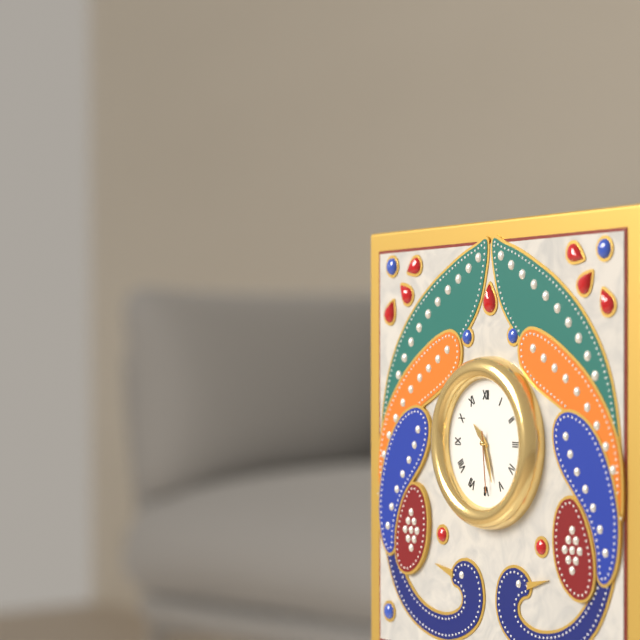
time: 10:27:29
